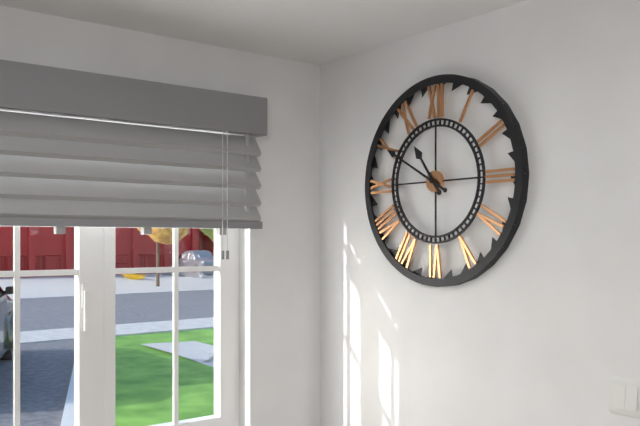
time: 10:50
